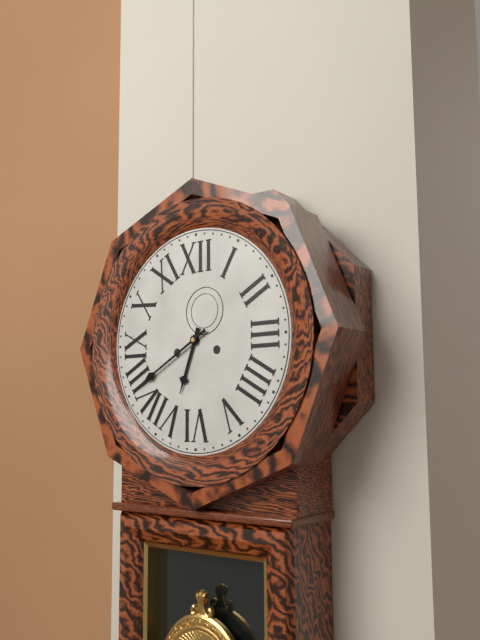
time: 6:40
